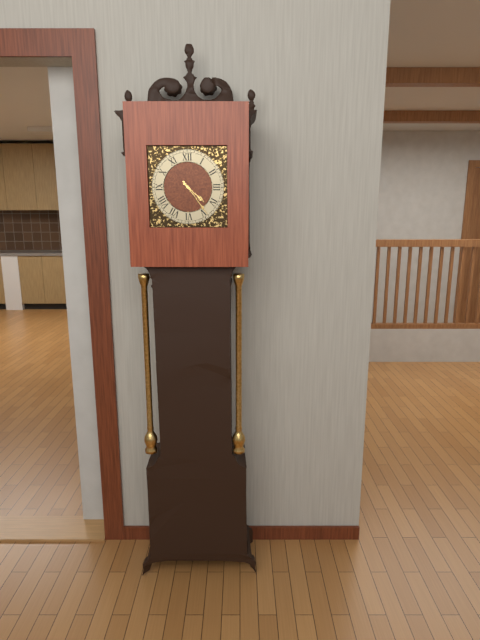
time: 4:24
